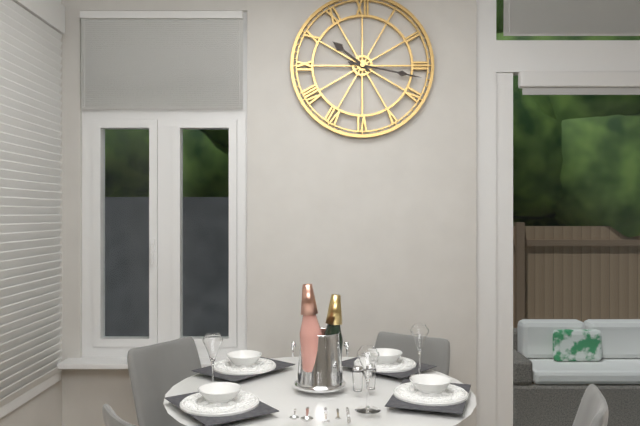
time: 10:17
